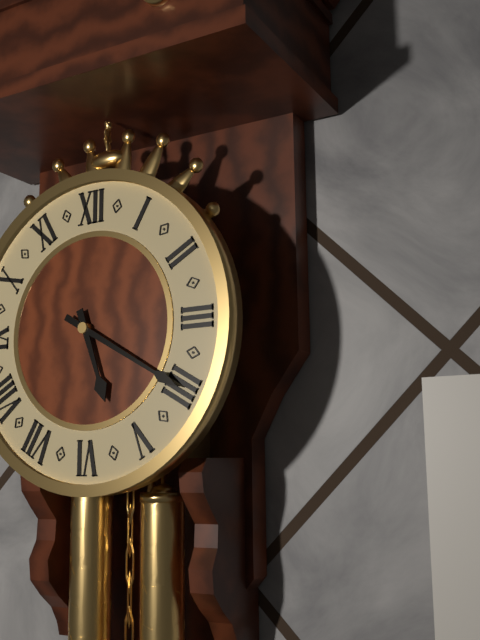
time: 5:20
